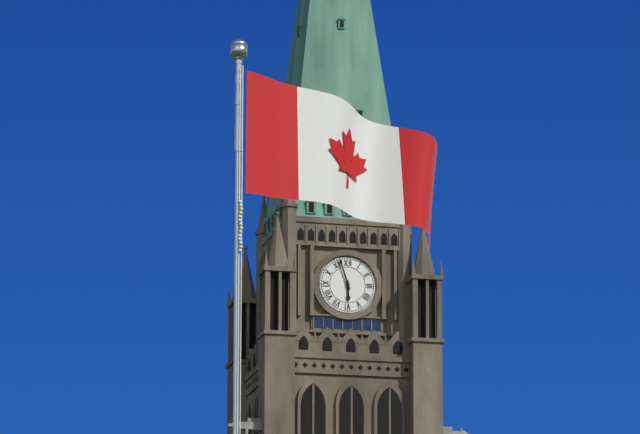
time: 5:57
